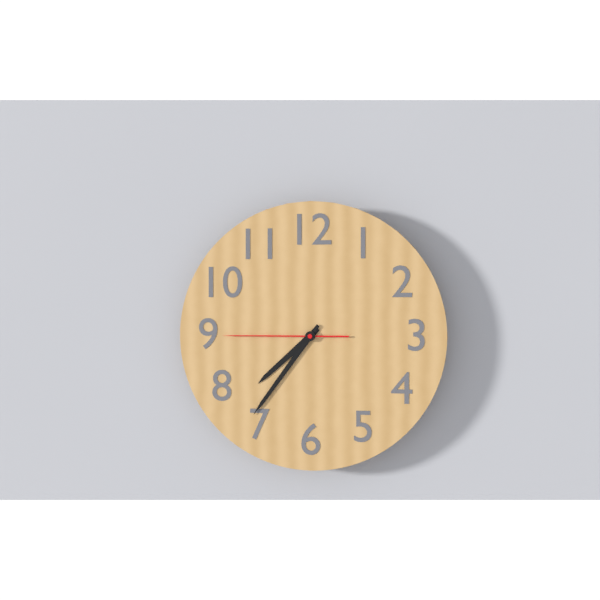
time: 7:36:45
